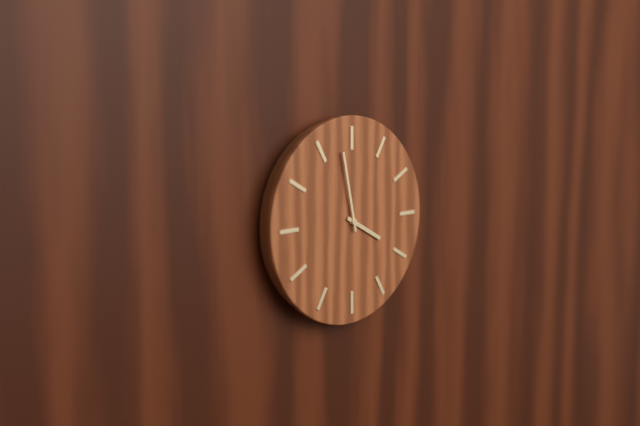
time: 3:58
